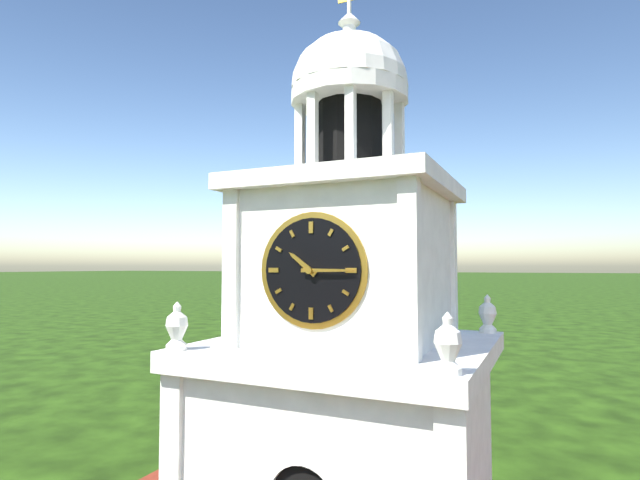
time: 10:15
